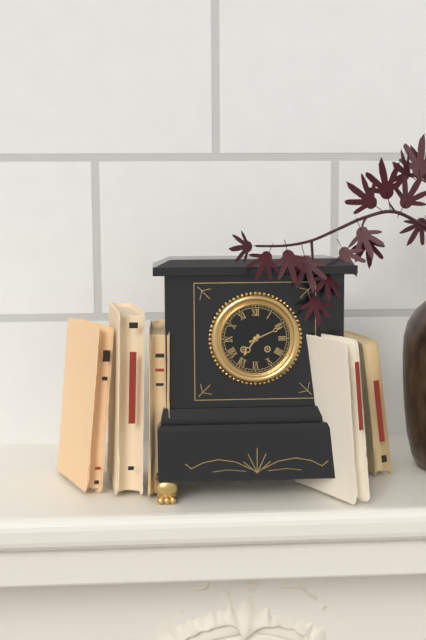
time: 7:11
